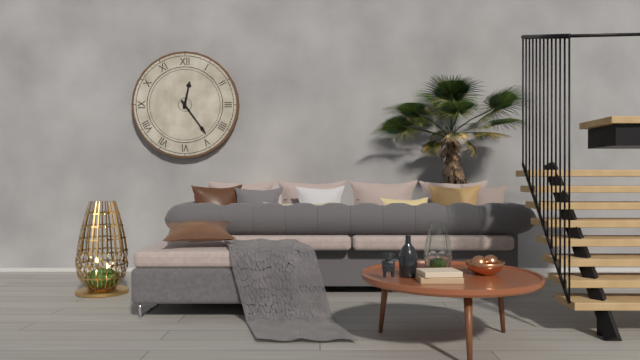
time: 12:24
